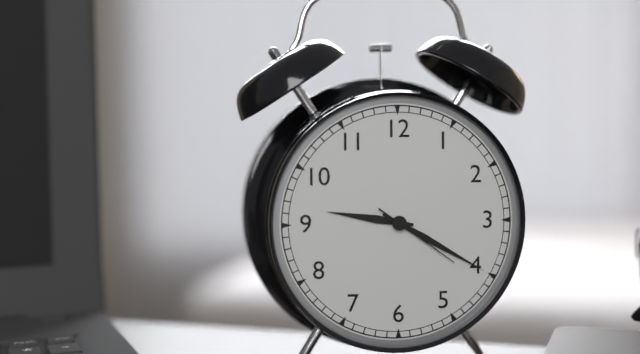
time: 9:20:21
